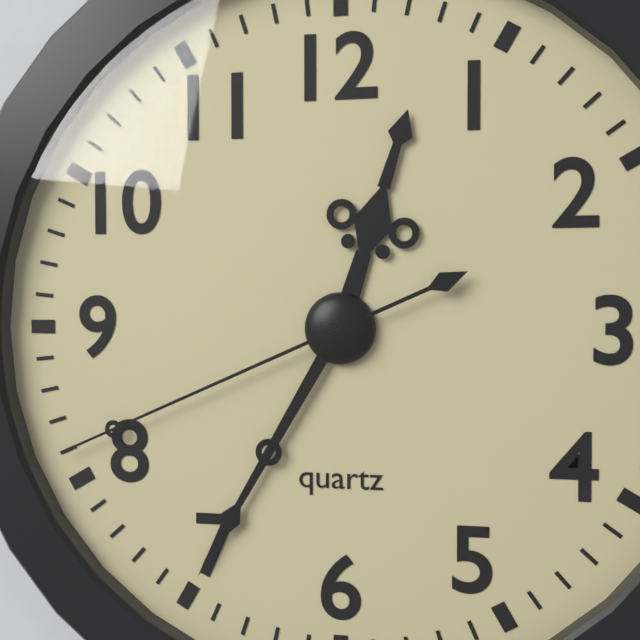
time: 12:35:41
